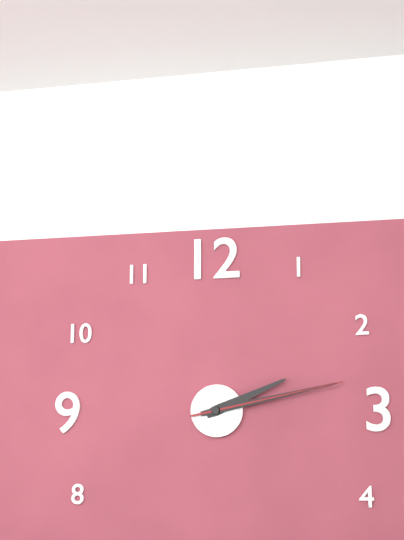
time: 2:13:13
